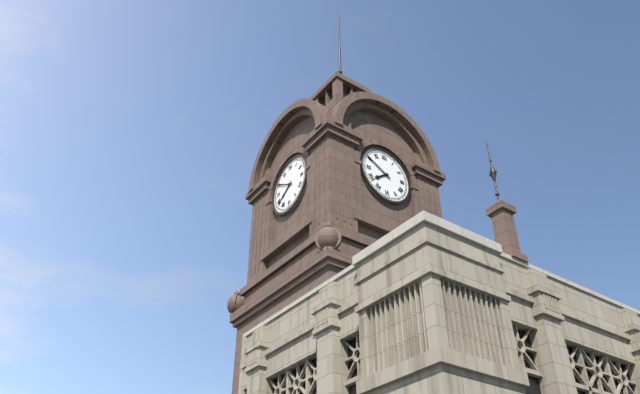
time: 7:50
